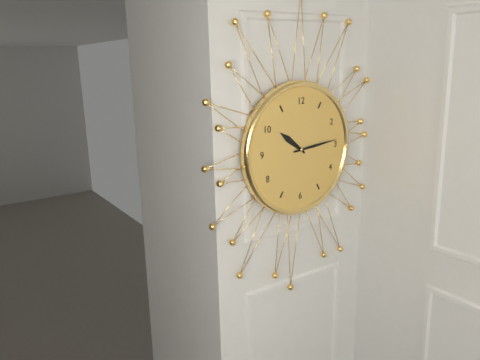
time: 10:14
